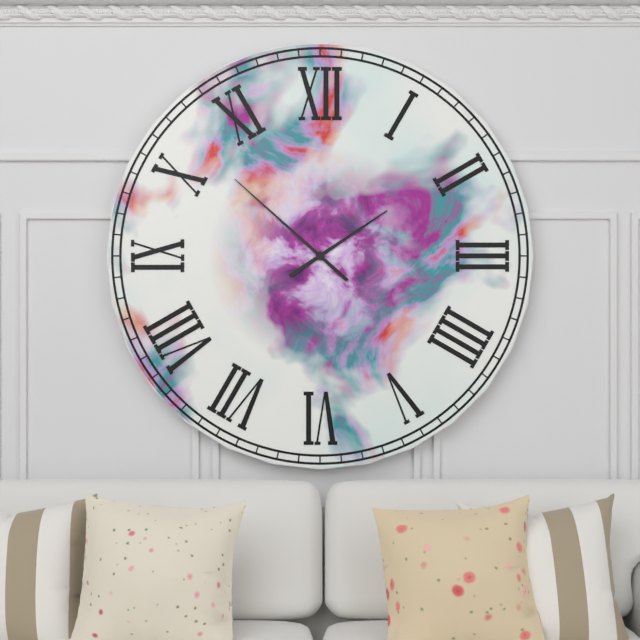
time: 1:52
